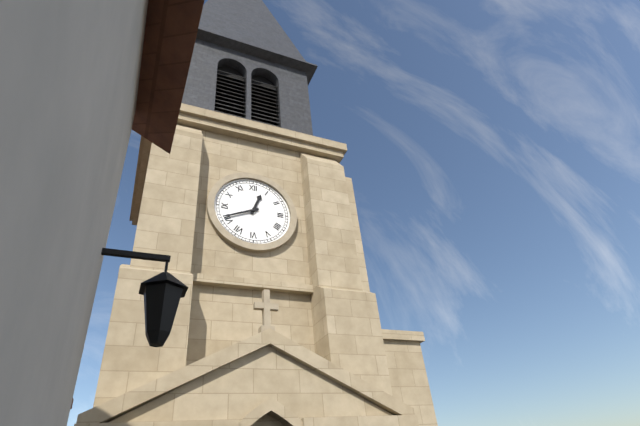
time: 12:41
